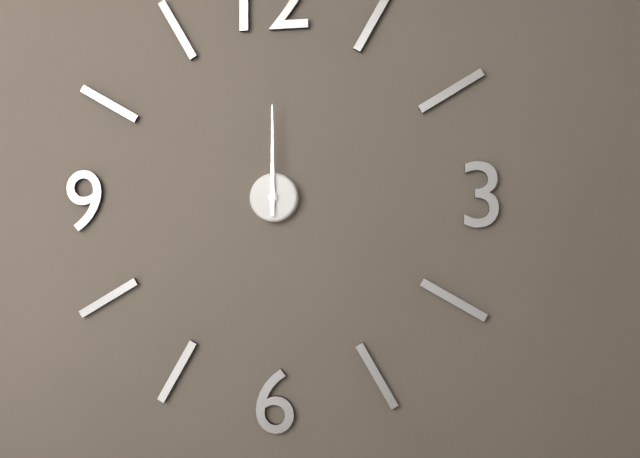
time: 12:00
